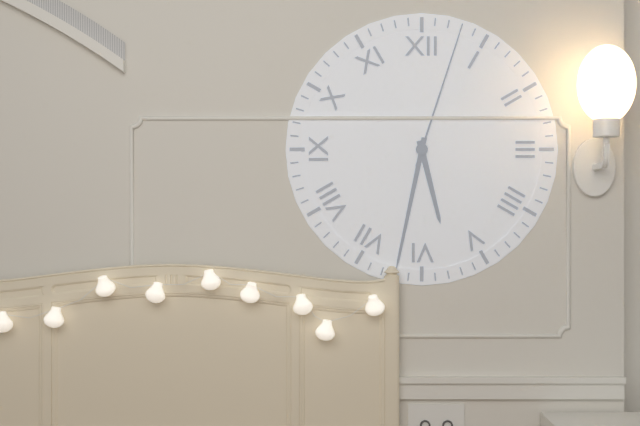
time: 5:32:03
